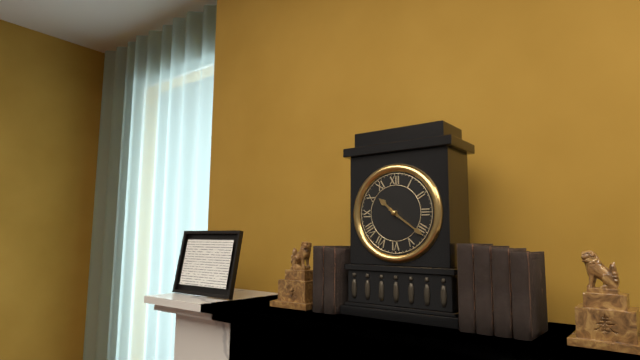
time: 10:21
